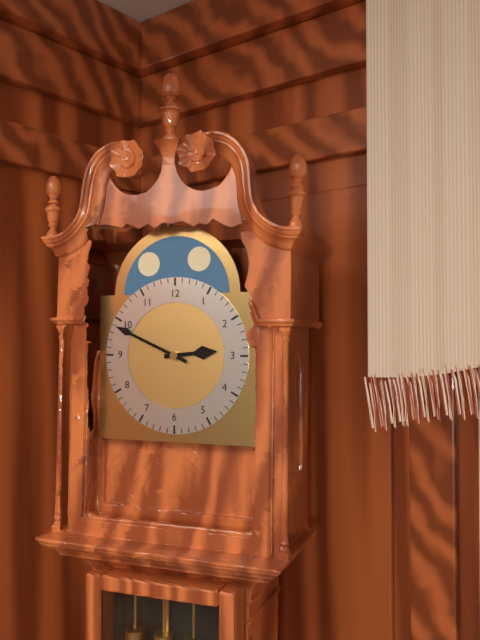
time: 2:49
